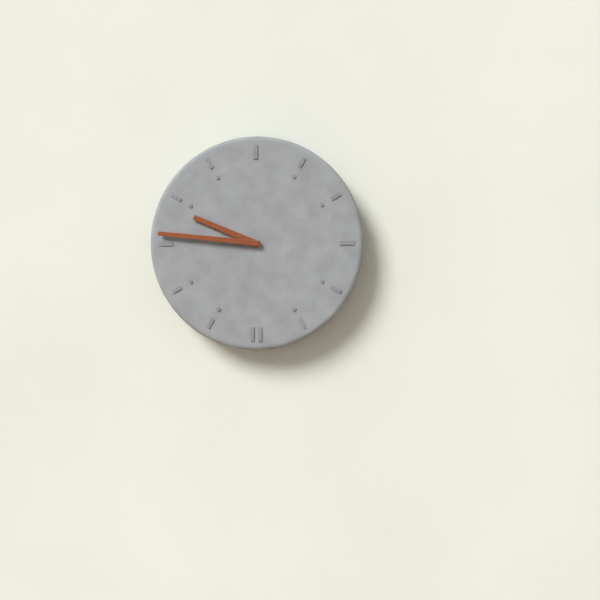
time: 9:46
